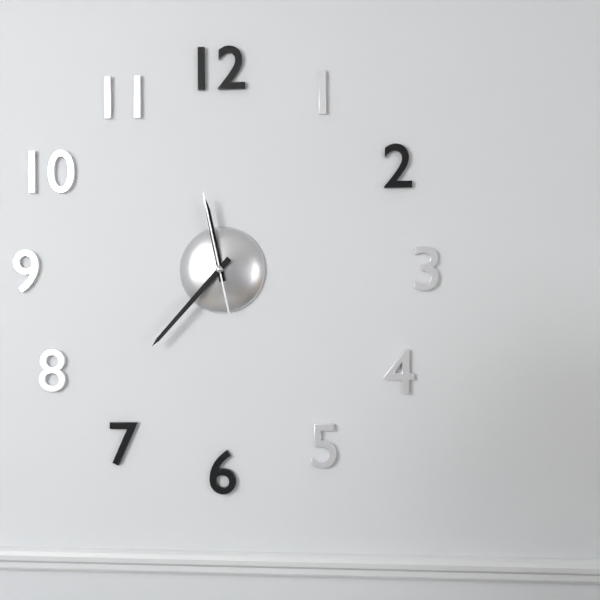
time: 11:37:58
